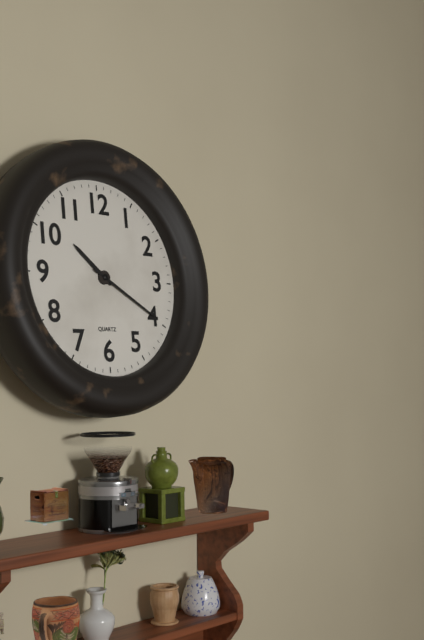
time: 10:20
